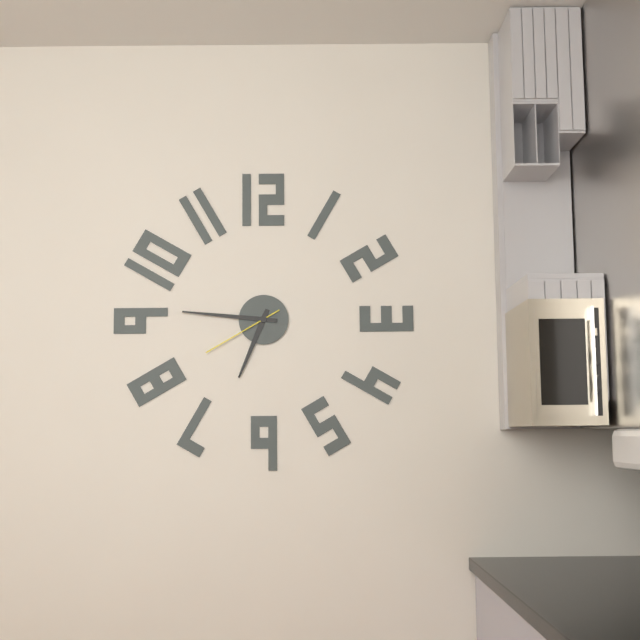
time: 6:46:40
